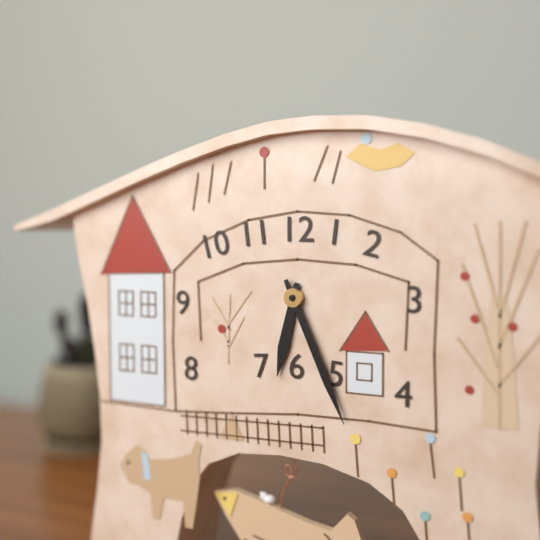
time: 6:26
